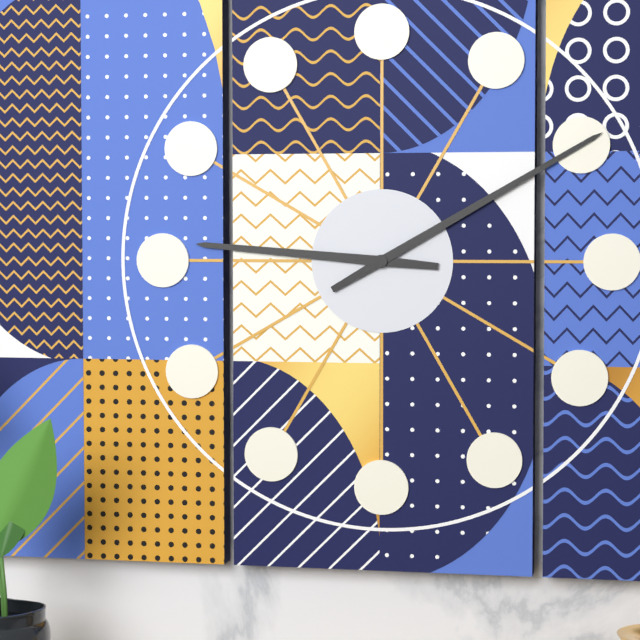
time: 9:10
